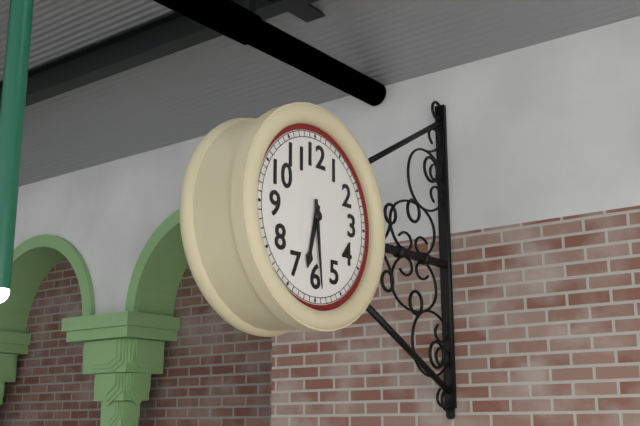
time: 6:29
